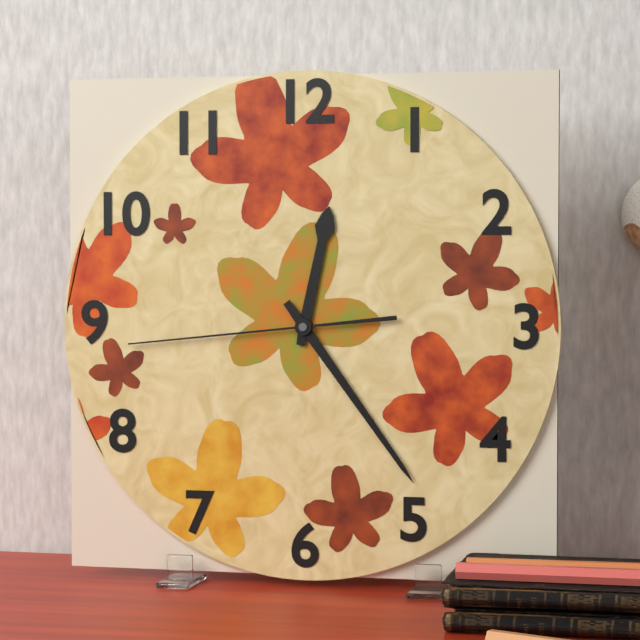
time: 12:24:44
